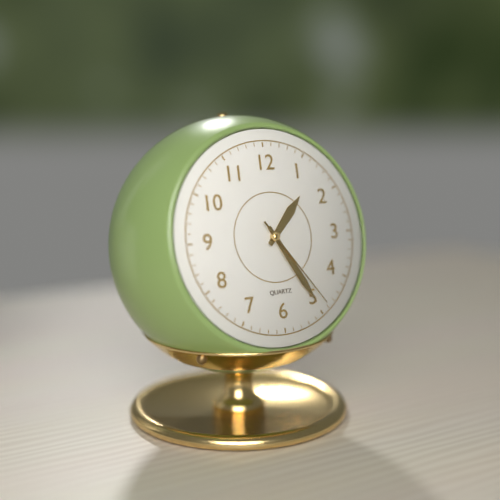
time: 1:25:24
